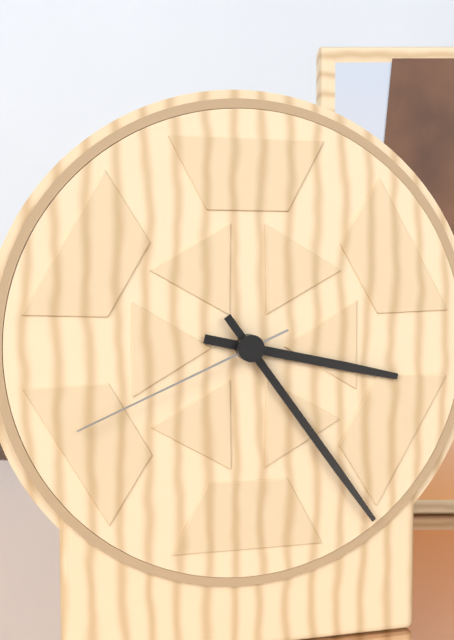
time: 3:24:41
